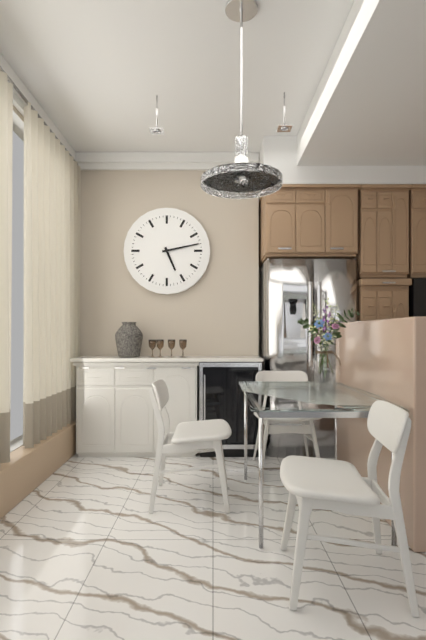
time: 5:13
